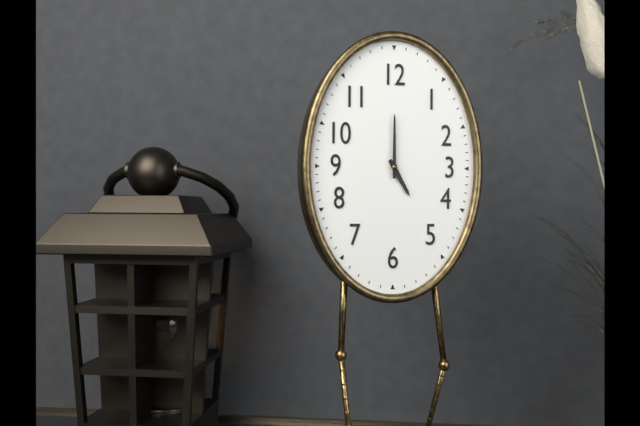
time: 5:00
